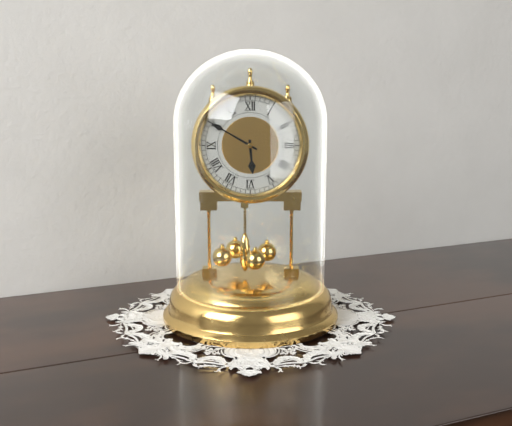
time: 5:50
